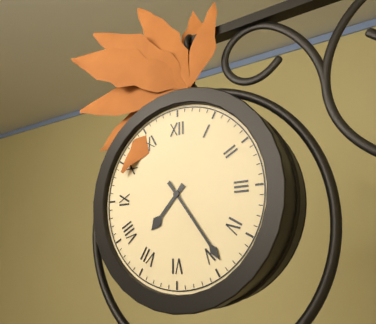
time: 7:24
